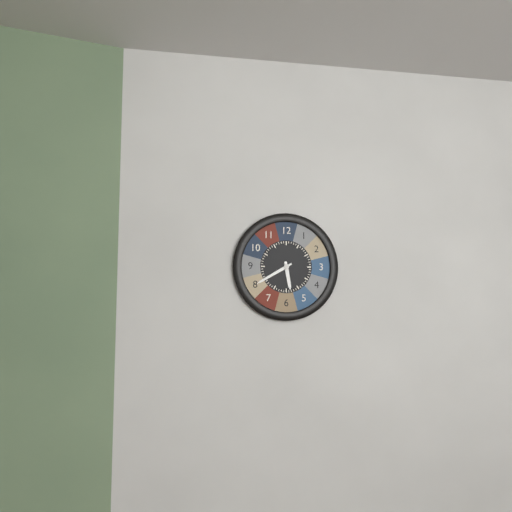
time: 5:40
